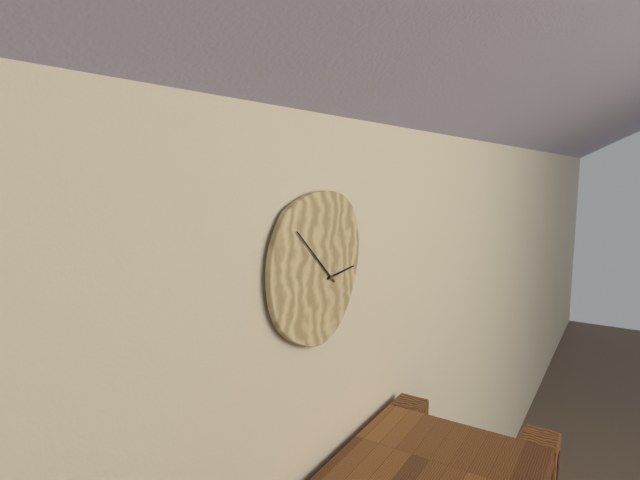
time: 2:52
